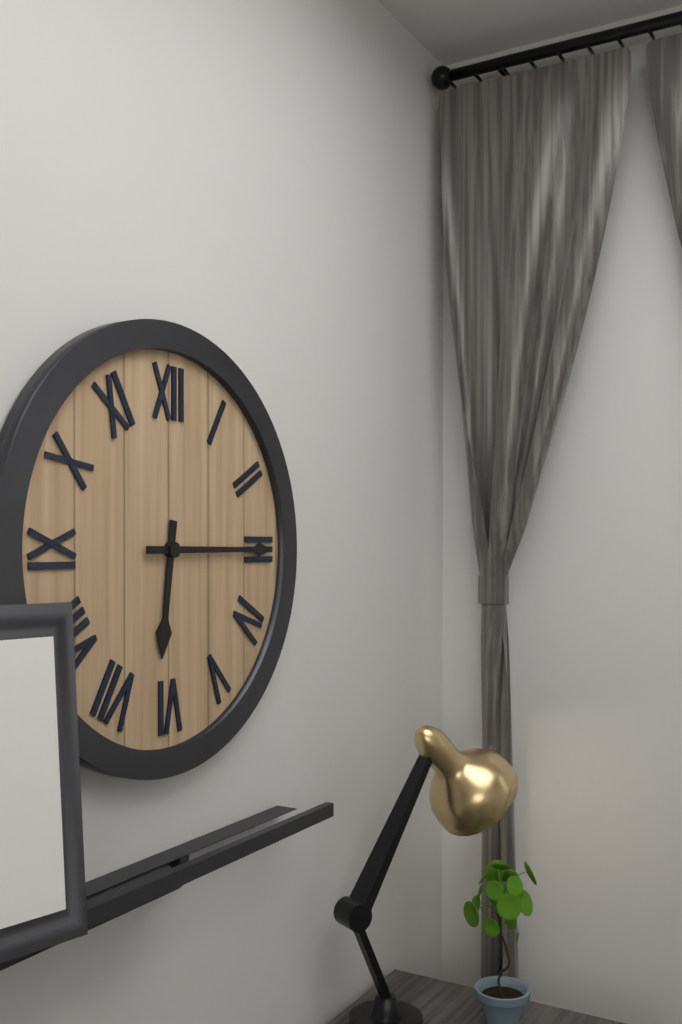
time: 6:15
